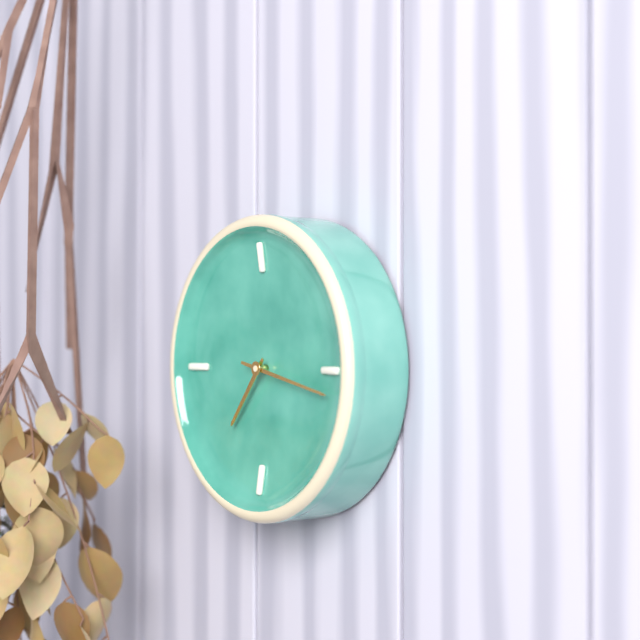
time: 7:17
